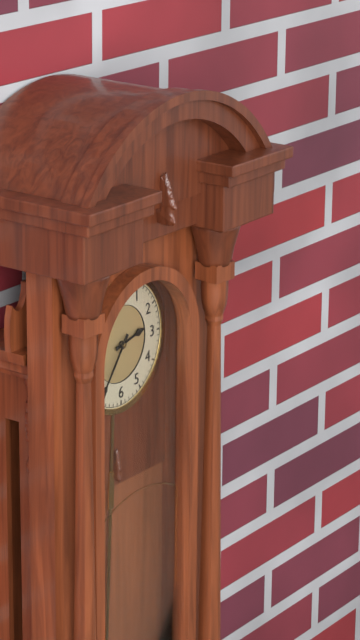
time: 2:36
